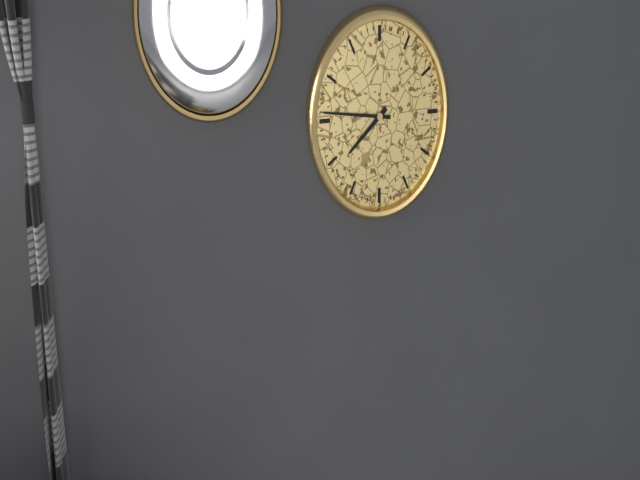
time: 7:46
